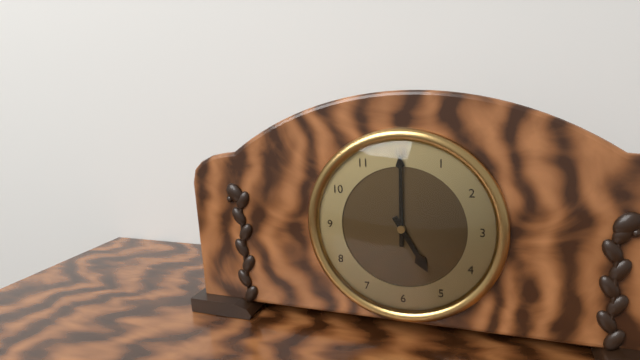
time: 5:00
